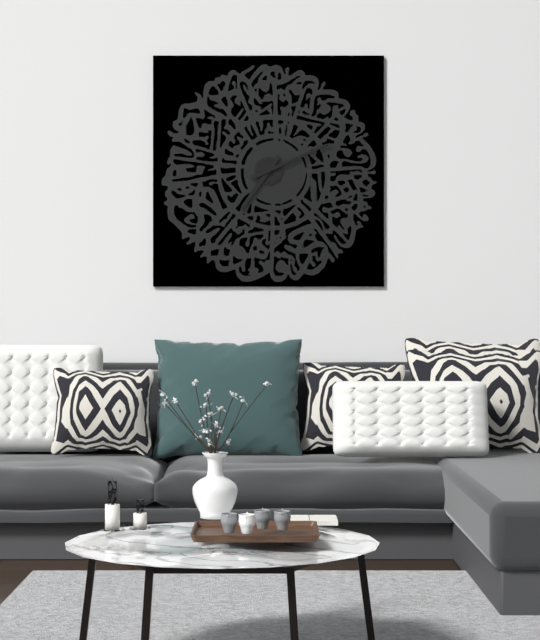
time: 7:11
